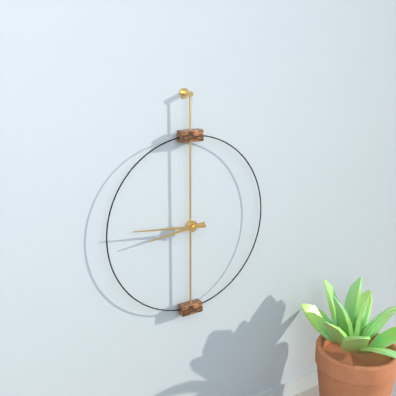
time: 8:46
